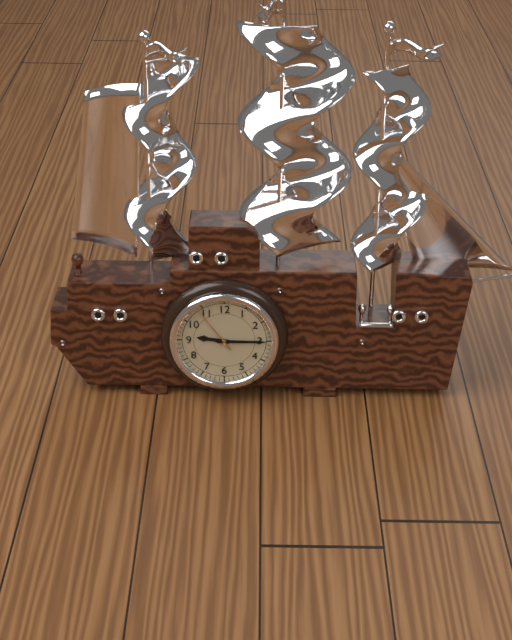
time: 9:15
